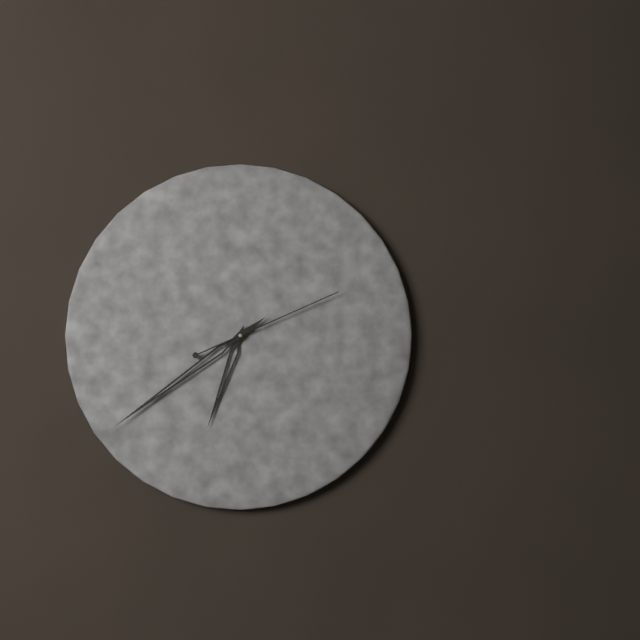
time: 6:39:11
